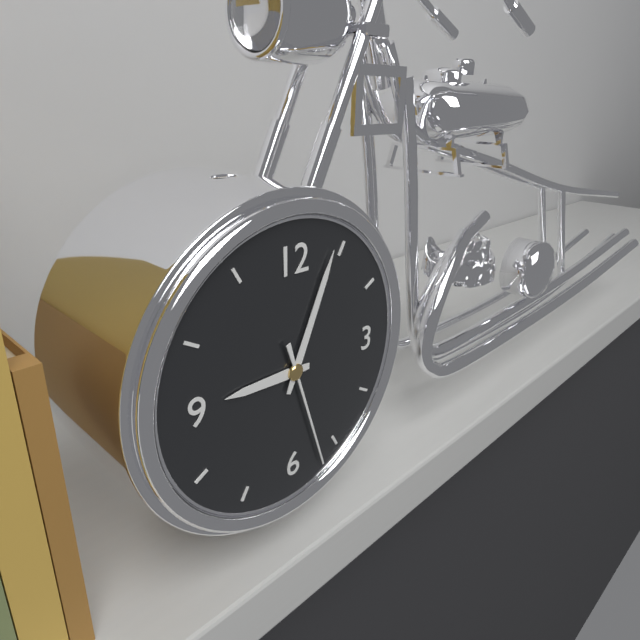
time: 9:04:27
